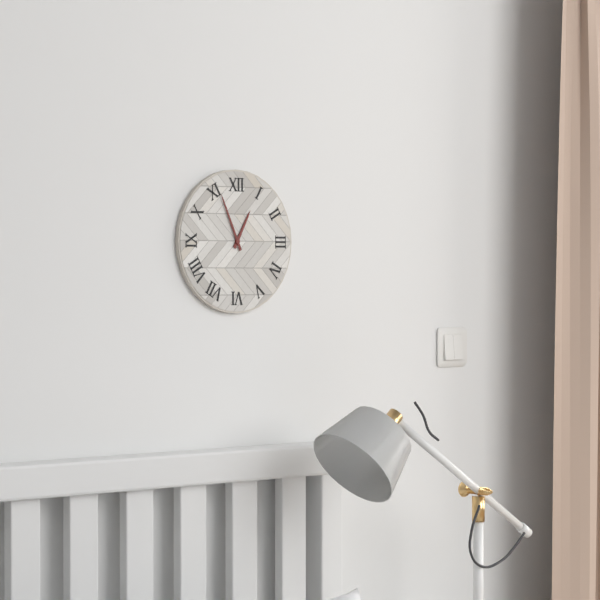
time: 12:56
